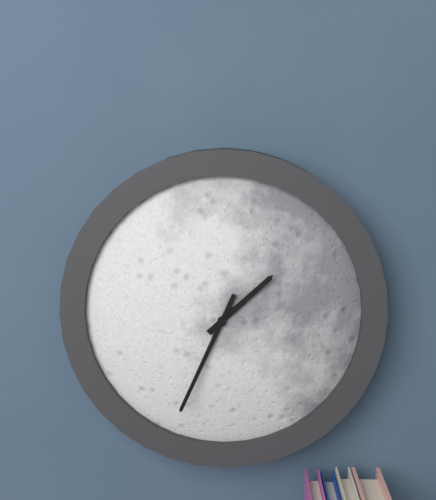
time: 1:34
